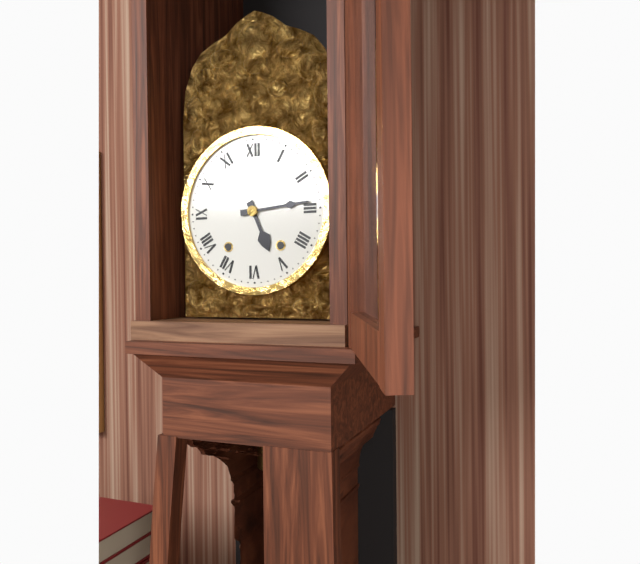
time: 5:14
